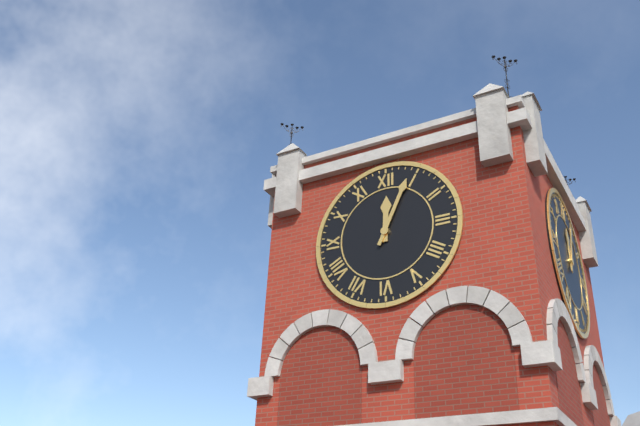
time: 12:04
